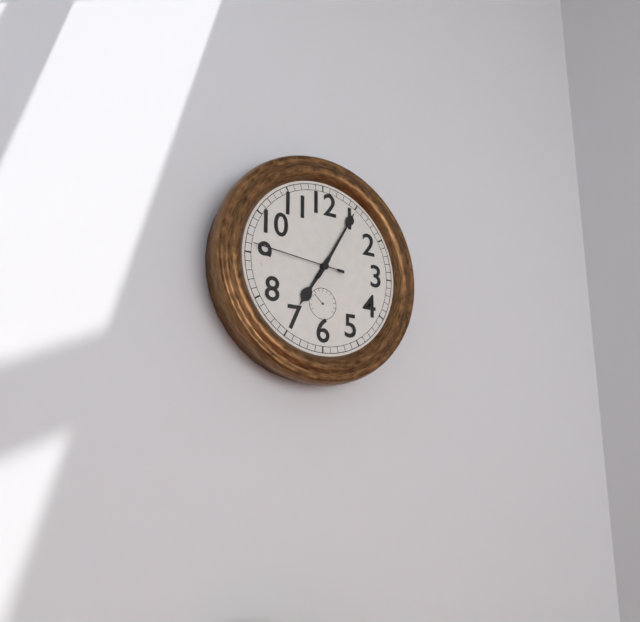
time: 7:05:46
